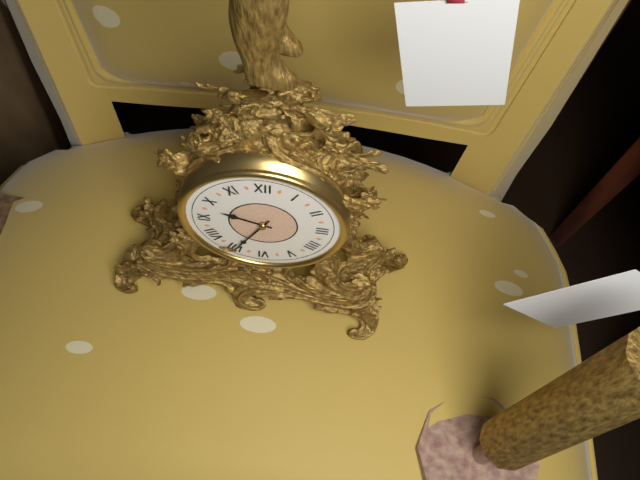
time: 9:35
